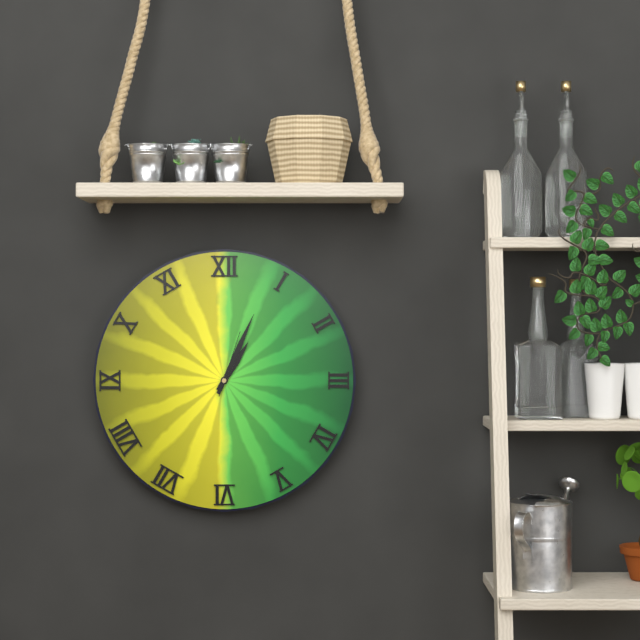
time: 1:04:03
